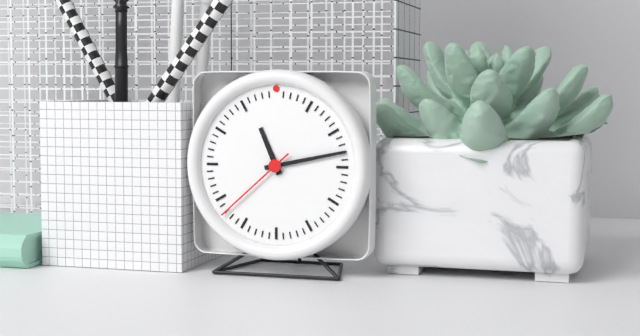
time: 11:13:38
